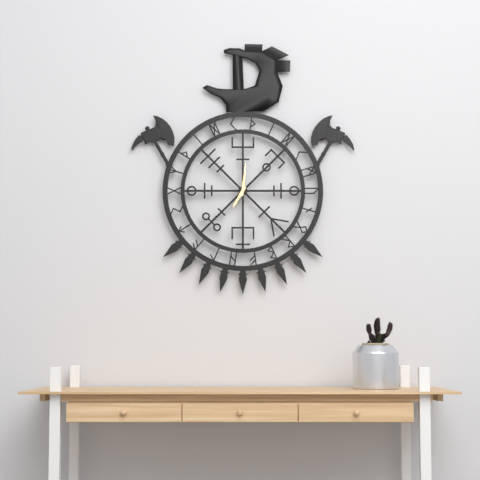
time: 7:01
